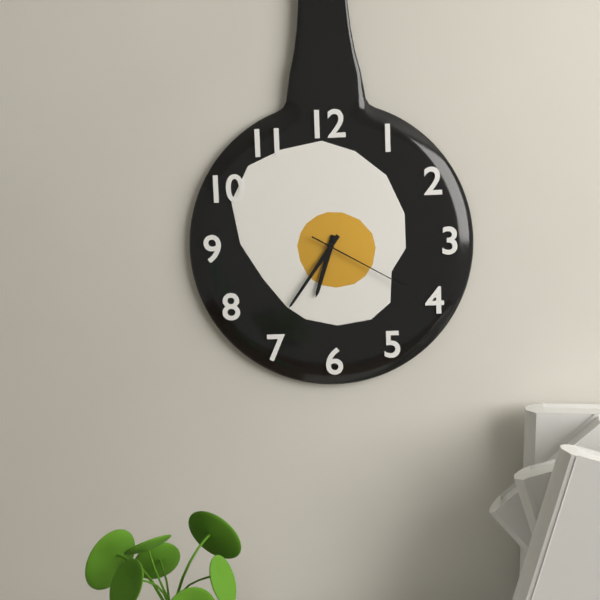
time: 6:36:20
